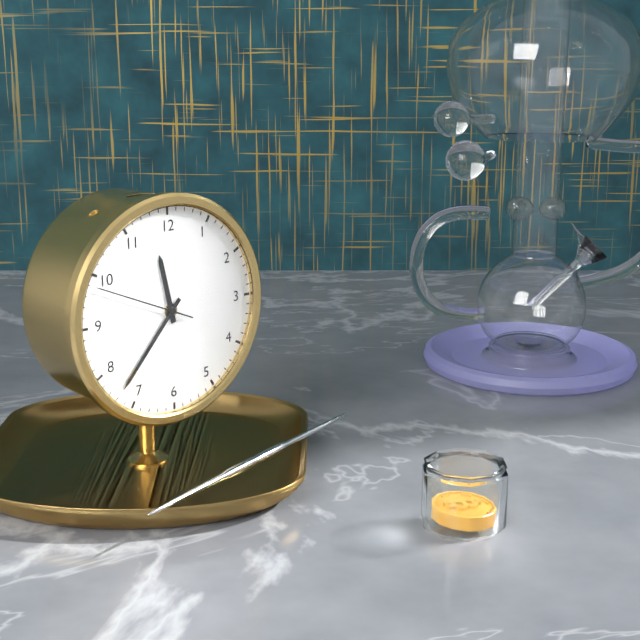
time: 11:37:49
